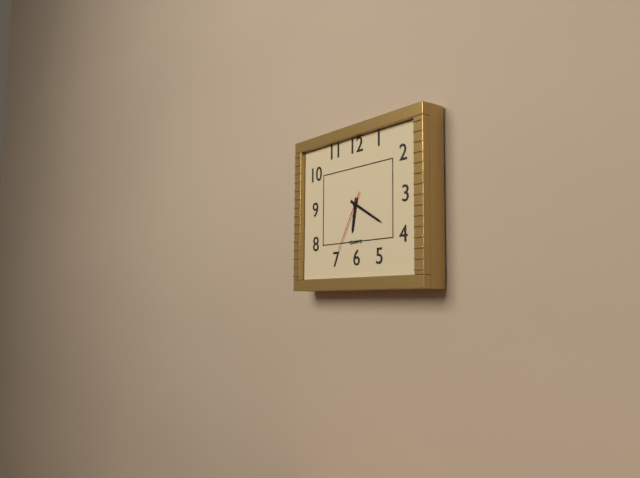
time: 6:20:35
